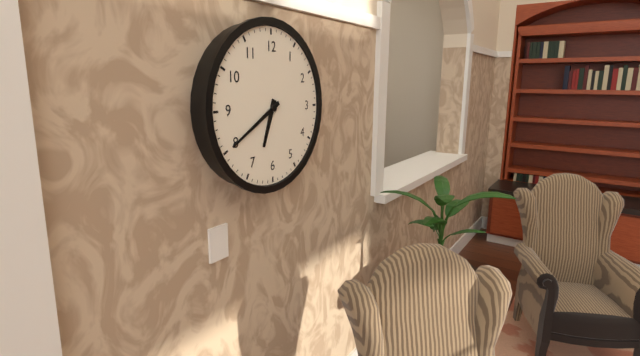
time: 6:40
